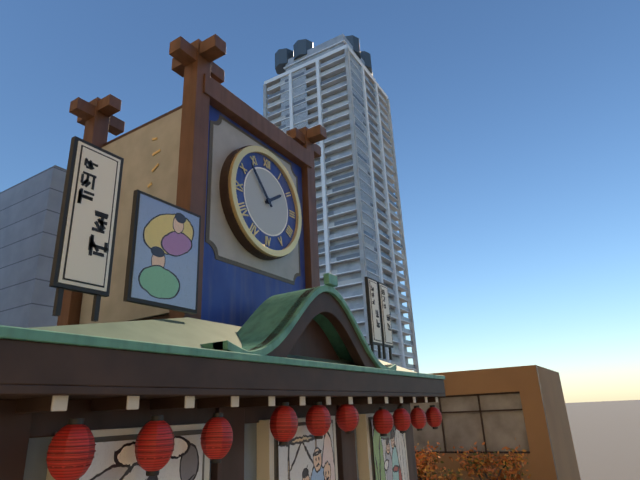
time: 1:53
